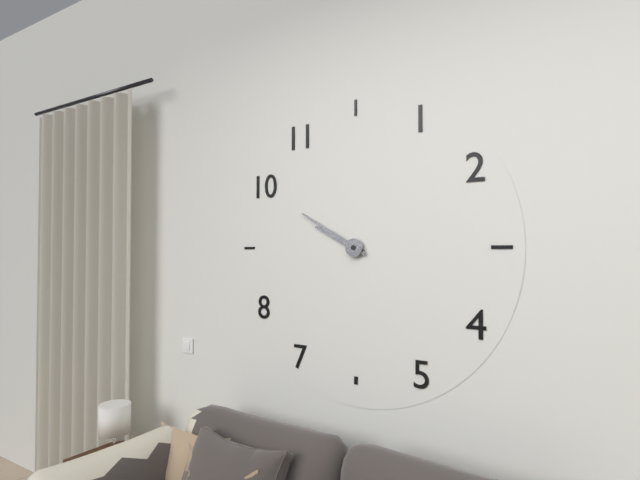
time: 9:50
